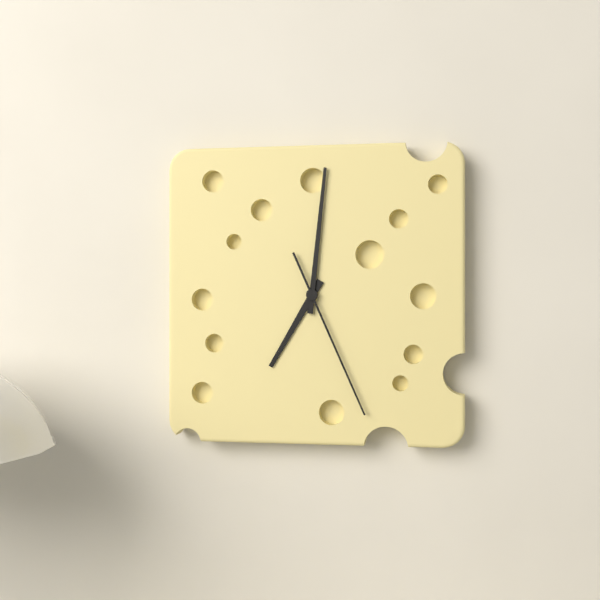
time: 7:01:26
